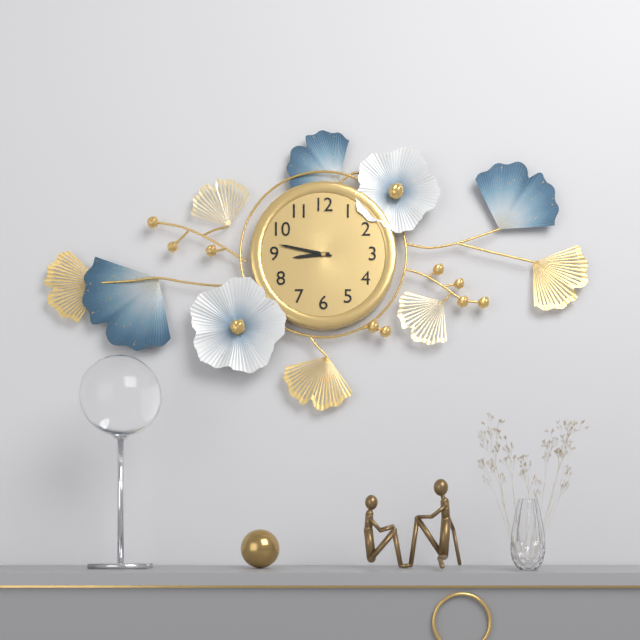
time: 8:47
